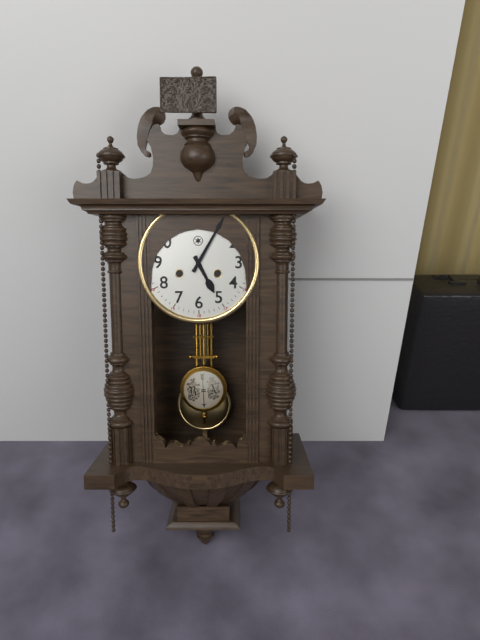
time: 5:05
